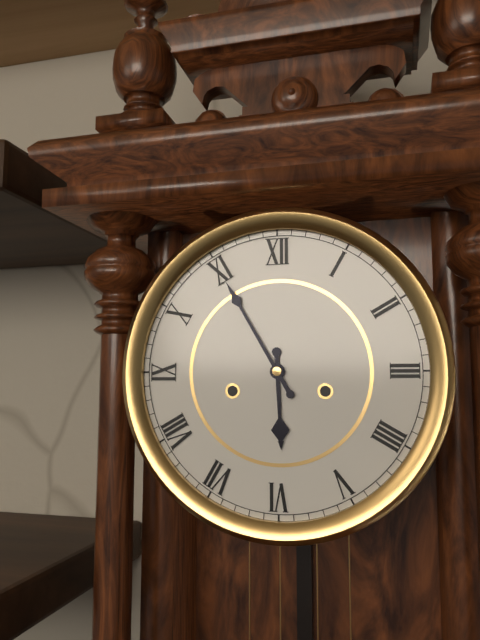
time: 5:55
